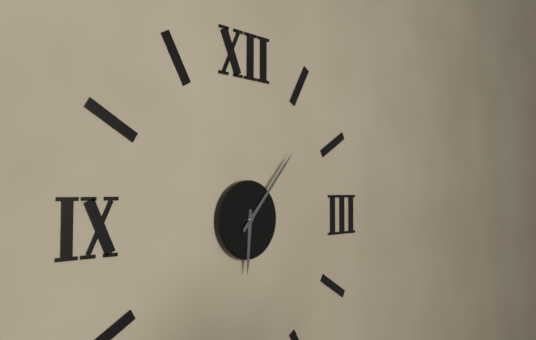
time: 6:07
